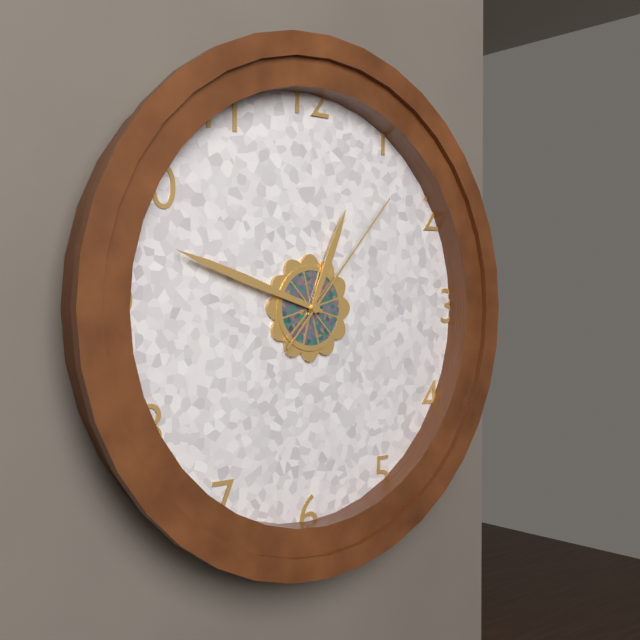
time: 12:48:07
